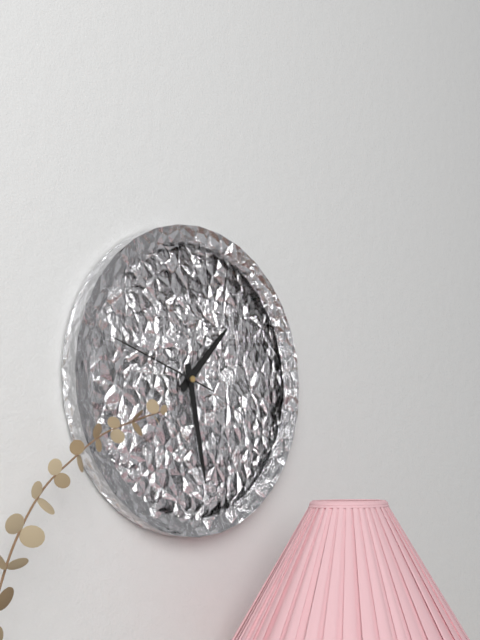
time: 1:28:48
